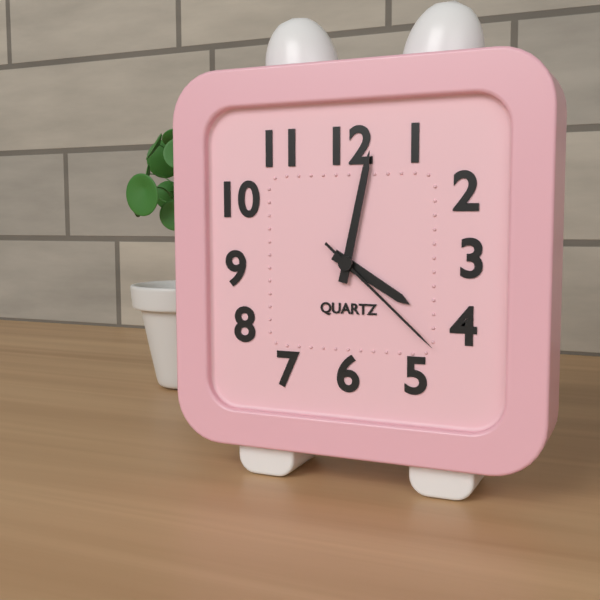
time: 4:02:22
